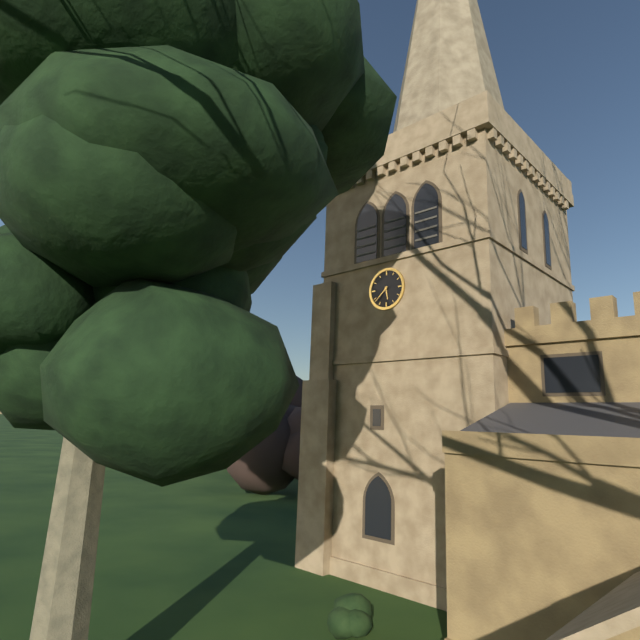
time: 5:38
